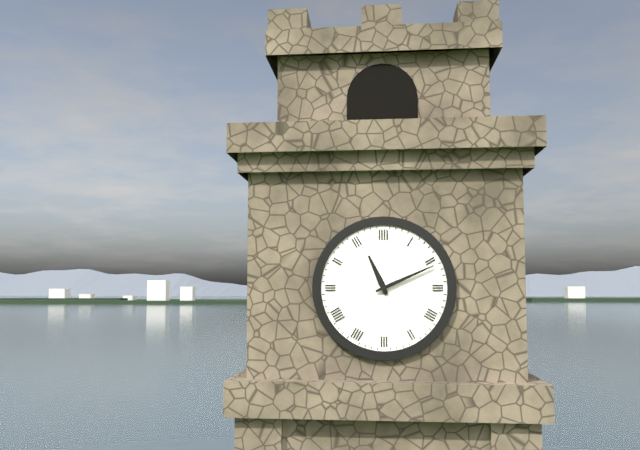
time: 11:11
